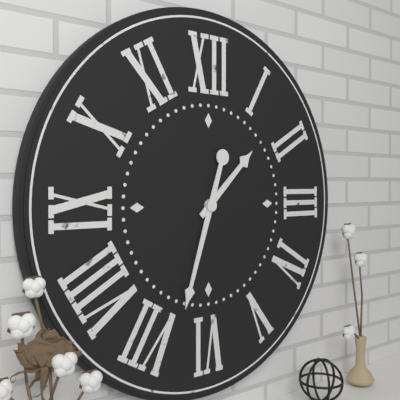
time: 1:33
